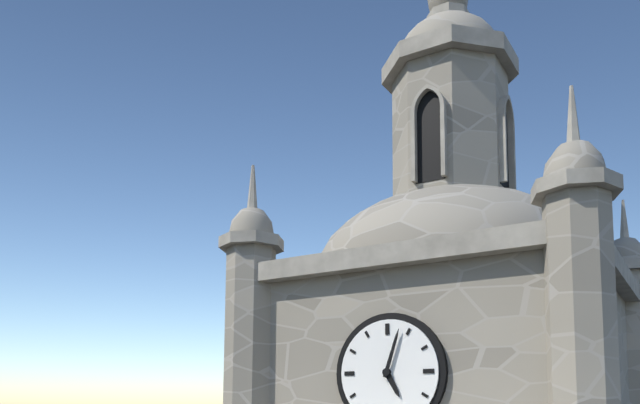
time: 5:03
